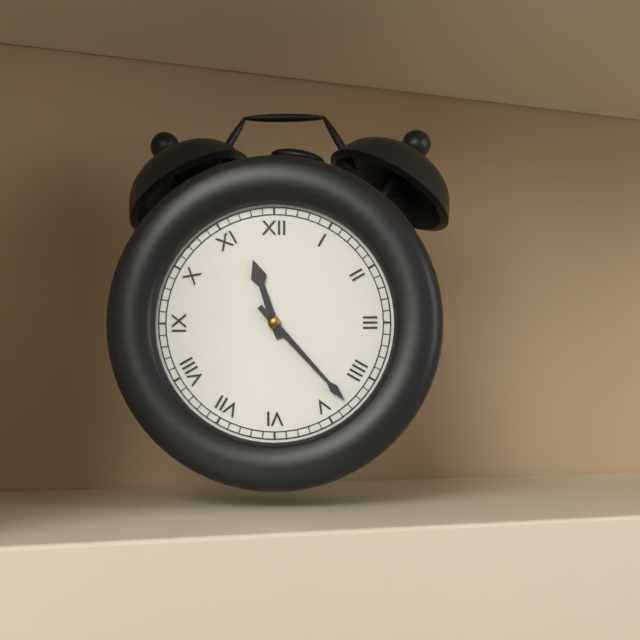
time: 11:23
